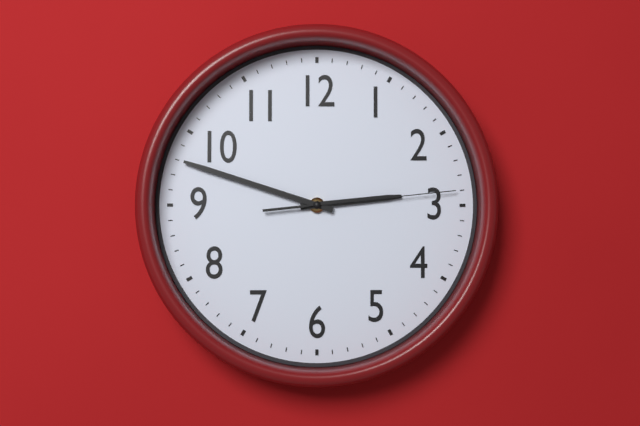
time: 2:48:14
